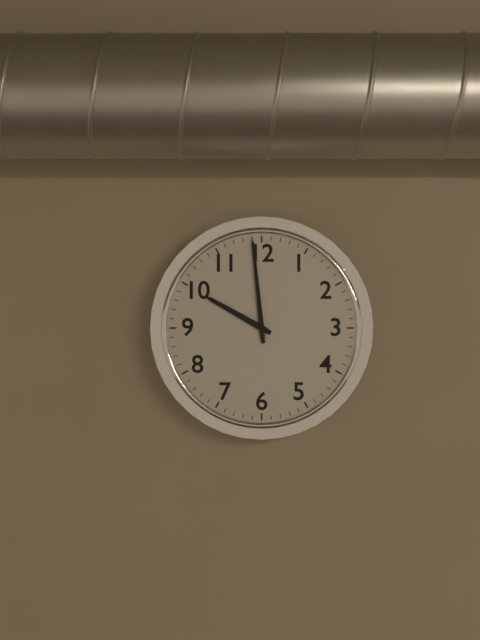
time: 9:59
